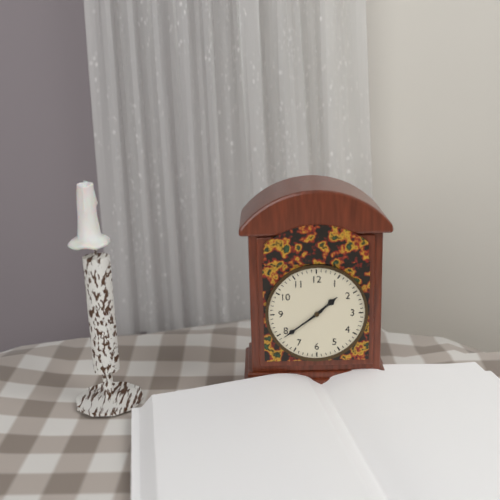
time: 1:39
